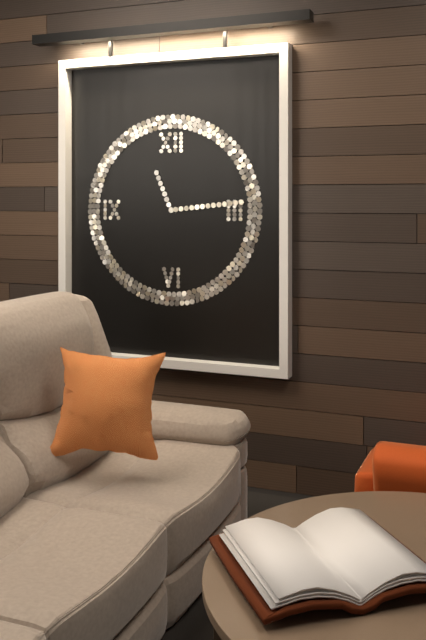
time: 11:14
